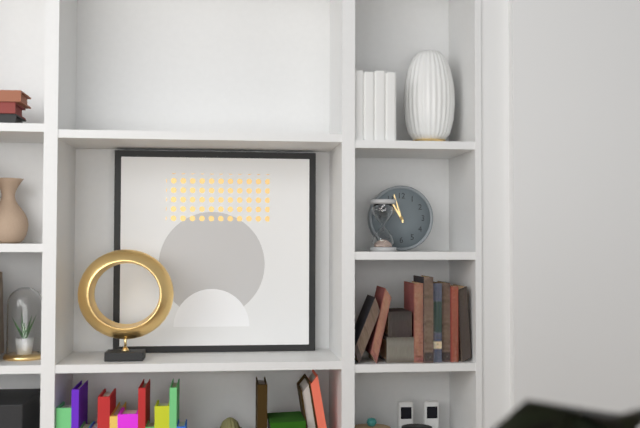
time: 10:57
